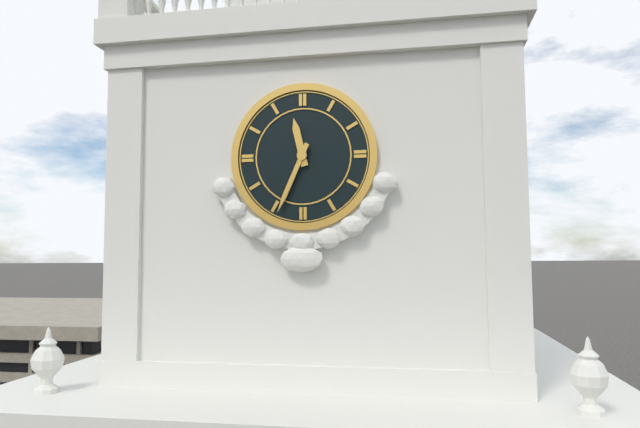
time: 11:34
